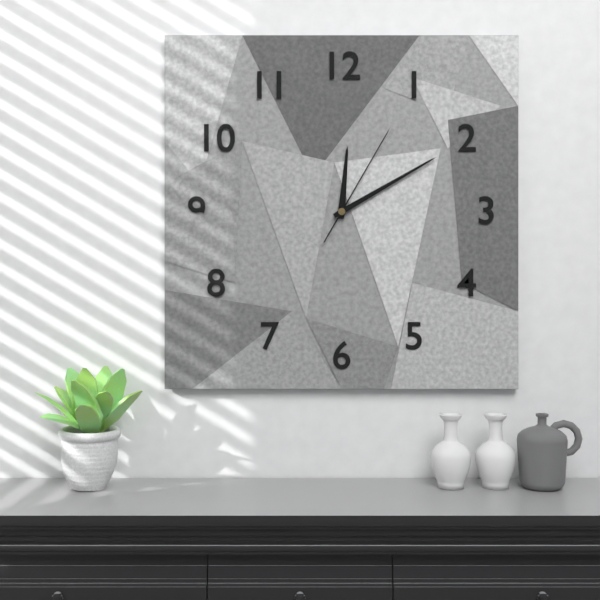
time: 12:10:05
